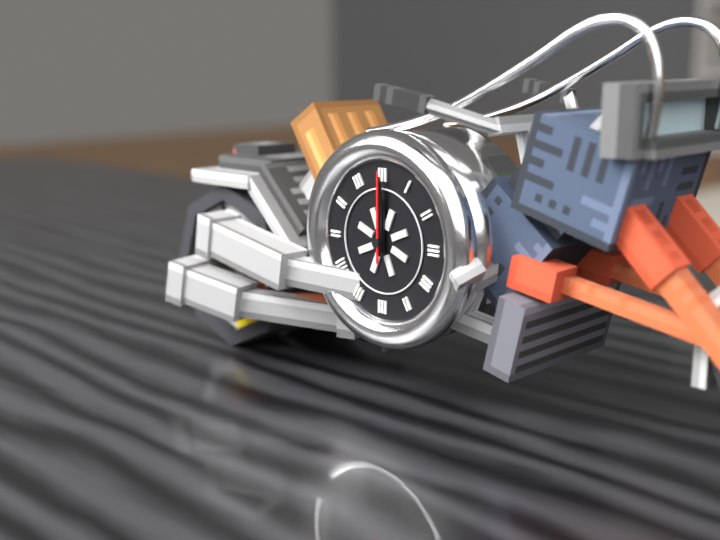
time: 12:00:00
